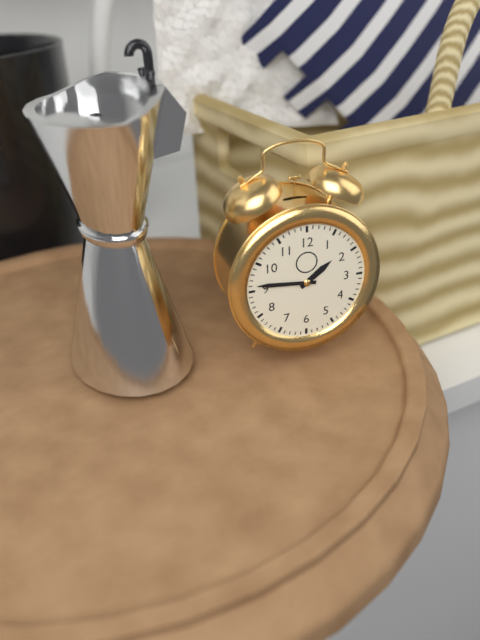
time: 1:46
